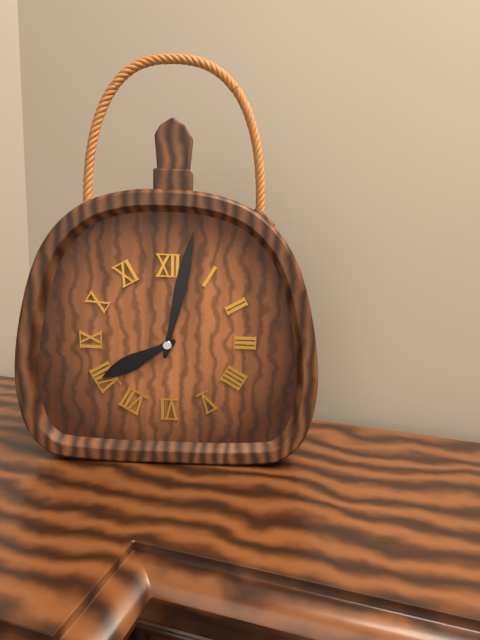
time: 8:02
